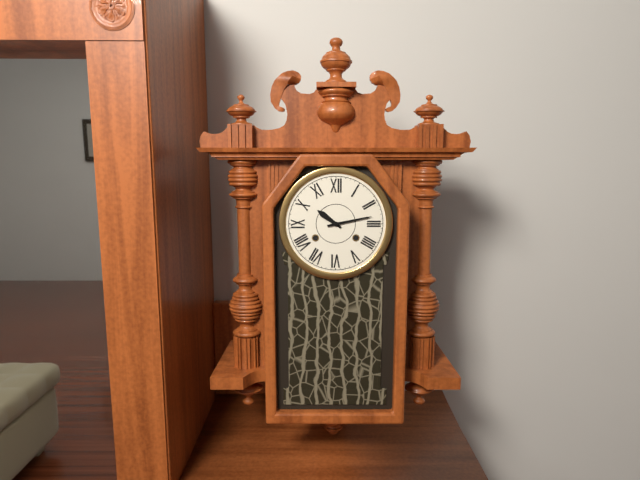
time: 10:13
